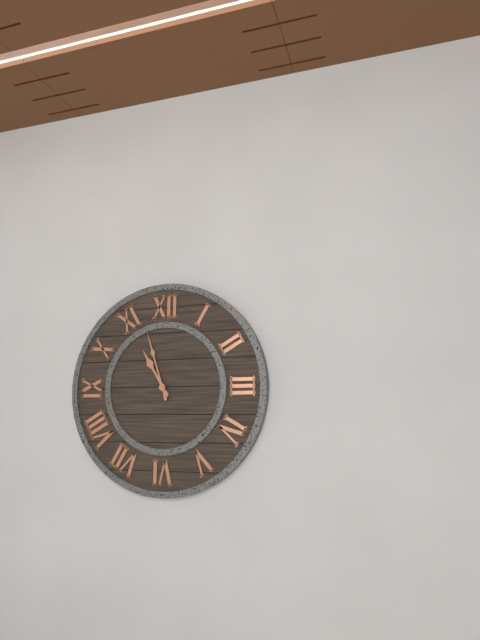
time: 10:57
